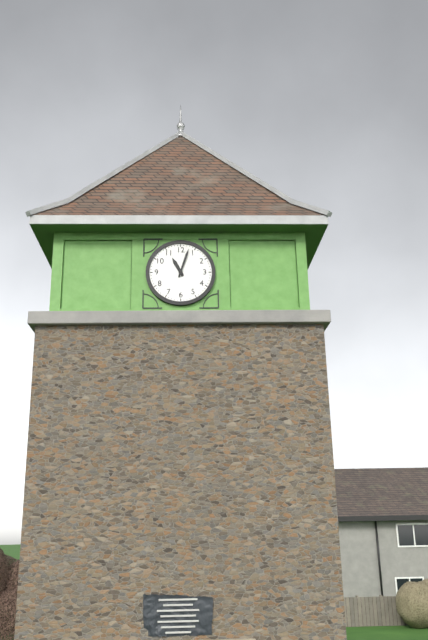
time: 11:03
